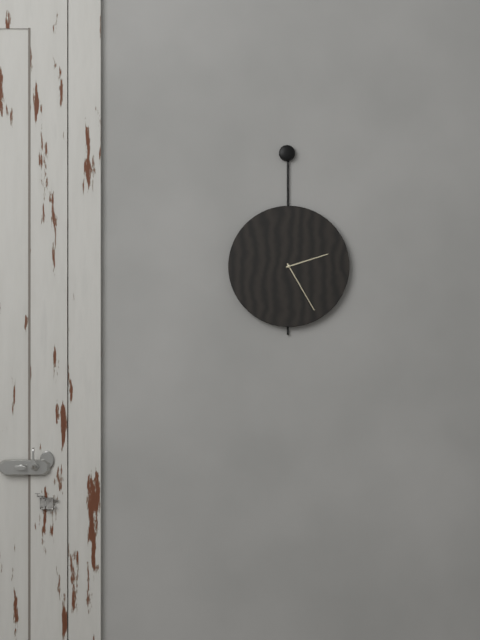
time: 2:25
